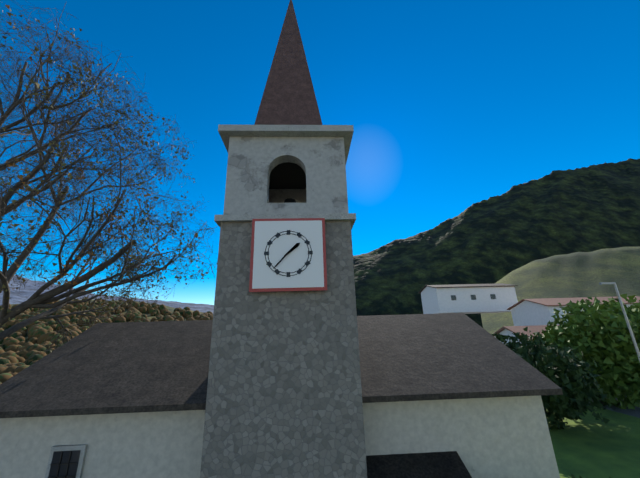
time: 1:37
